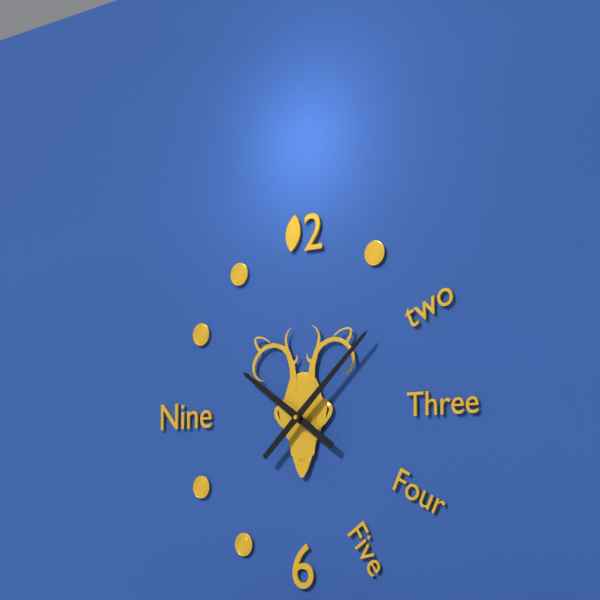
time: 10:08
